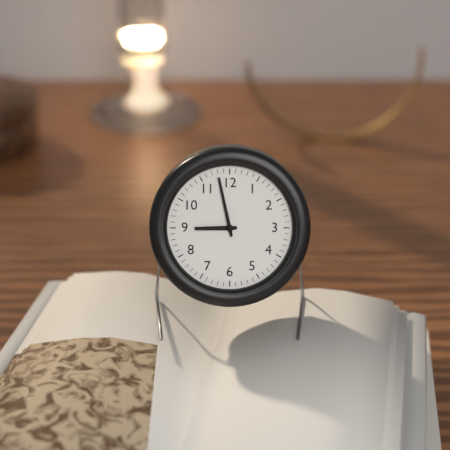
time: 8:58
